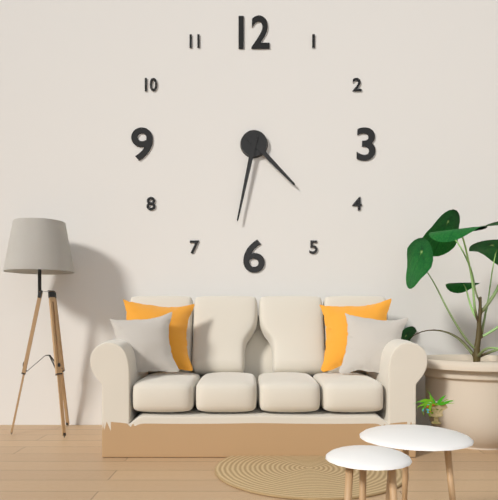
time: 4:32
